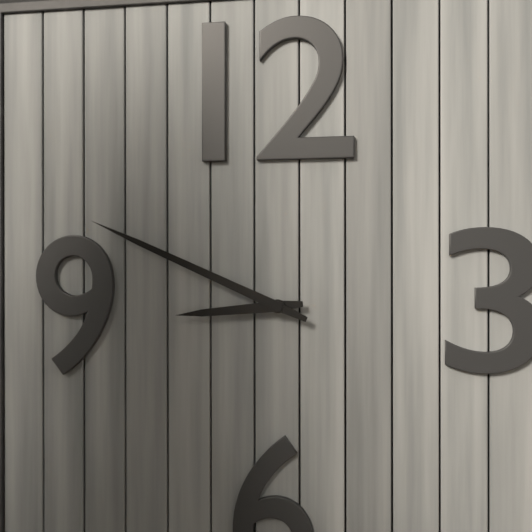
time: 8:49
